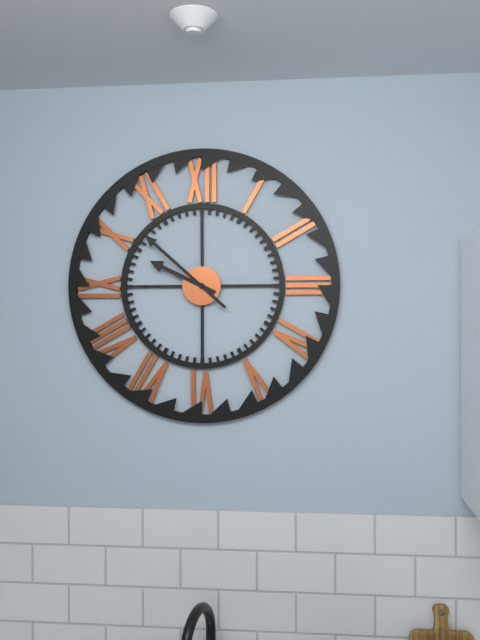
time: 9:52
